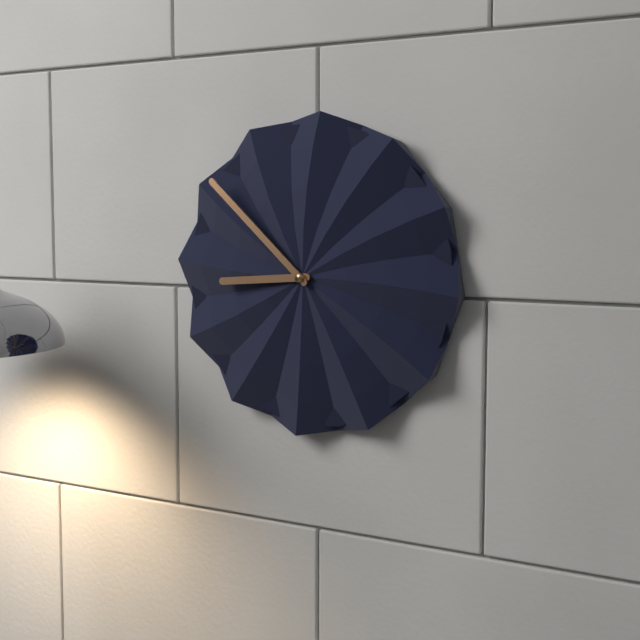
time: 8:52
